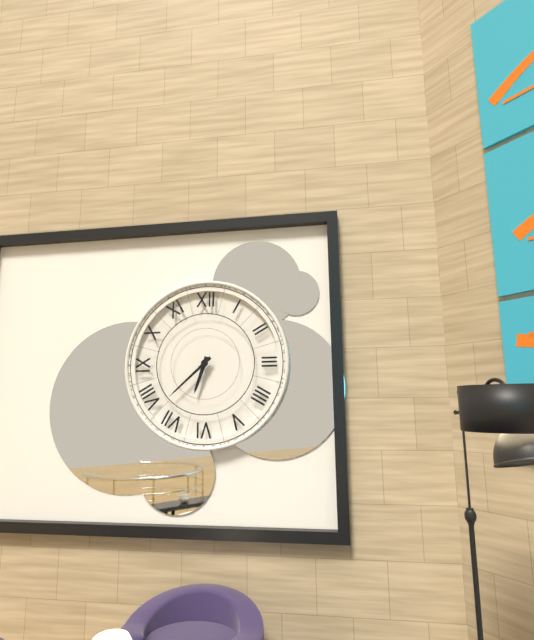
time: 6:38
